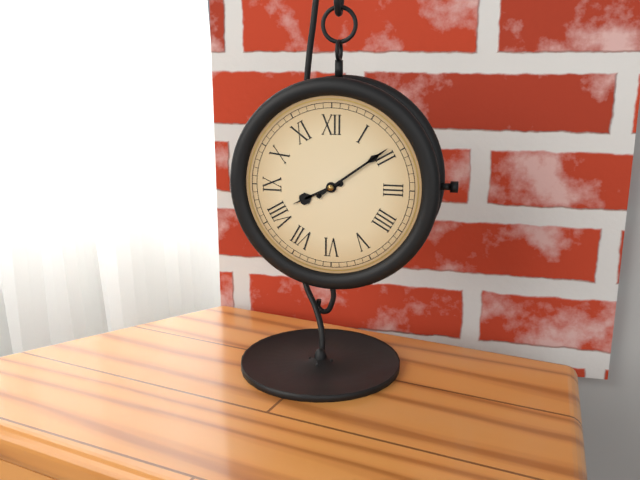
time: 8:09
